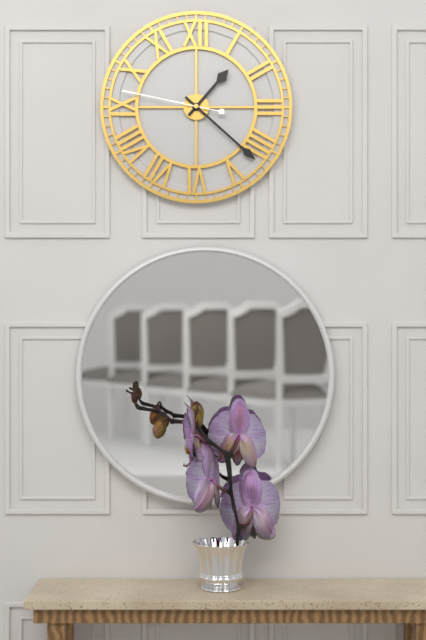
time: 1:22:47
